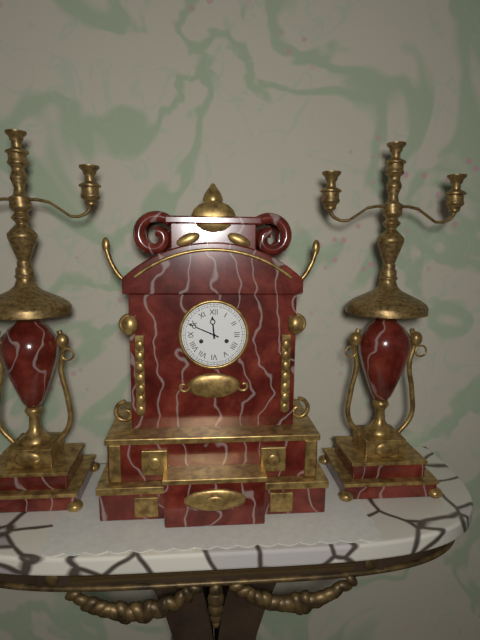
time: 11:49
